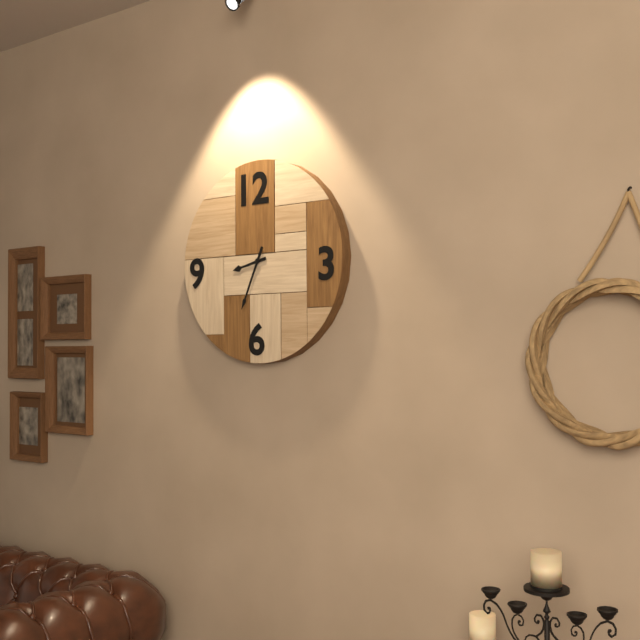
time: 8:34
